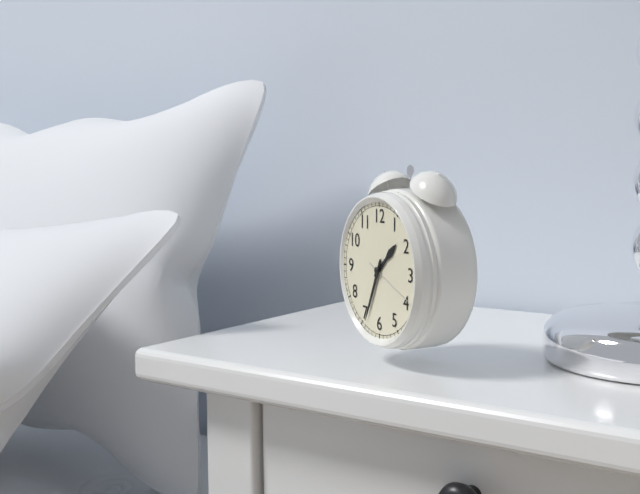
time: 1:34:19
